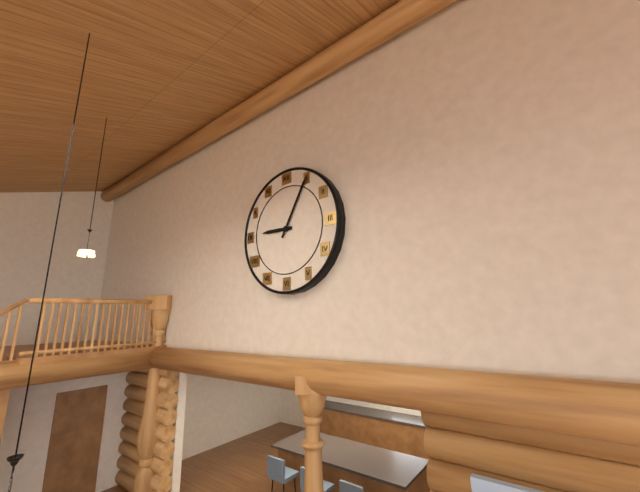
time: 9:05
